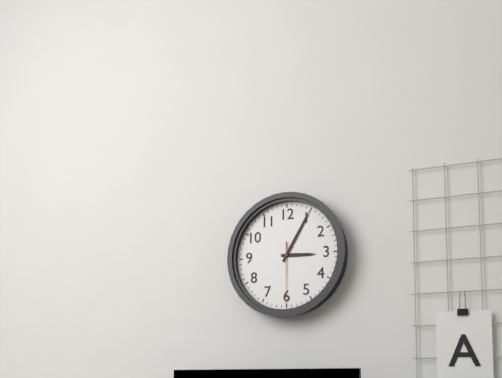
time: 3:05:30
